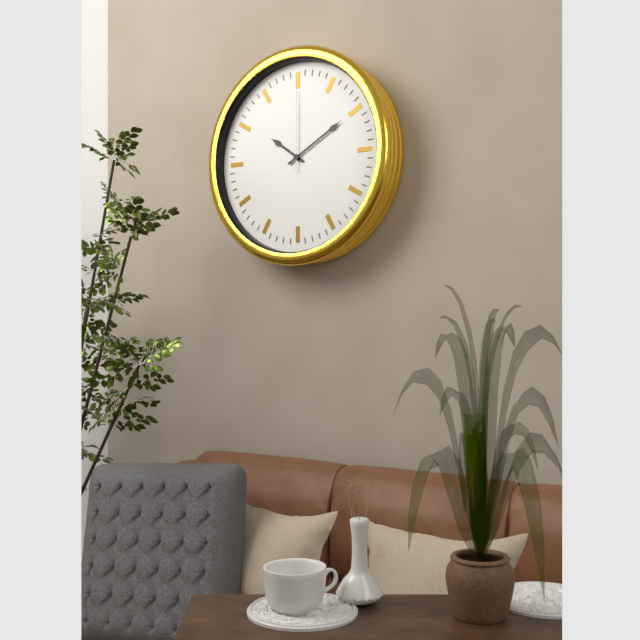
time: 10:10:00
